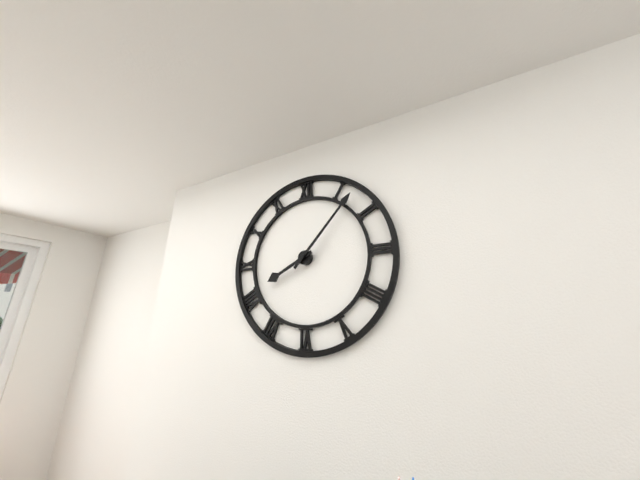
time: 8:07
